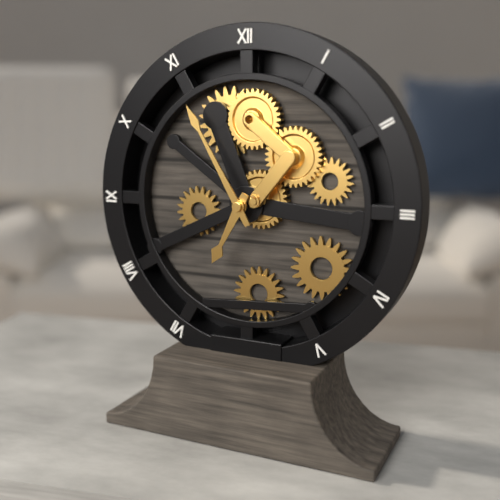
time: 6:55
